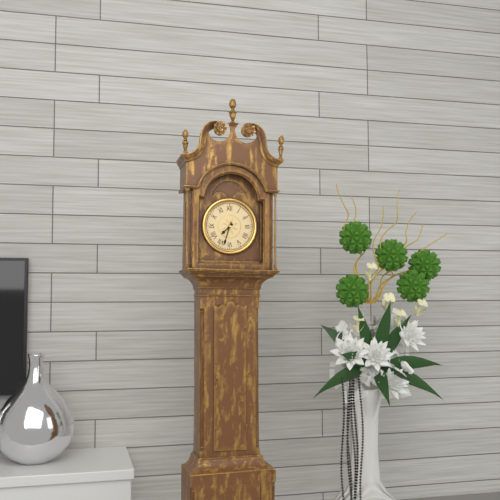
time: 7:33
